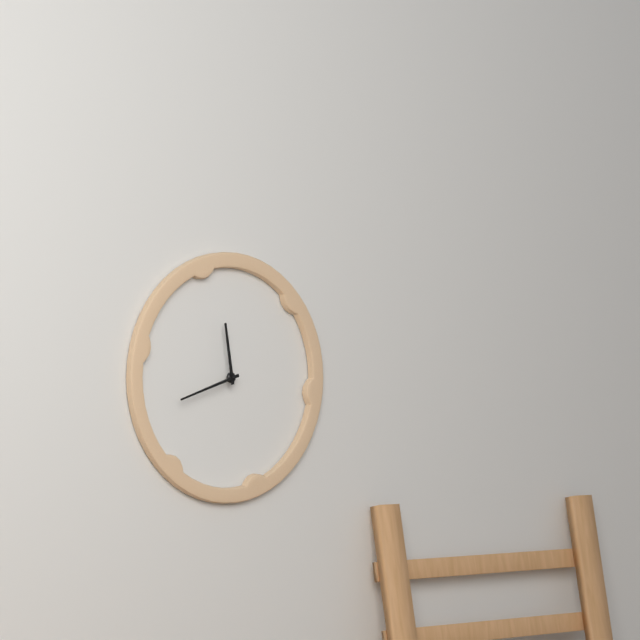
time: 11:42
